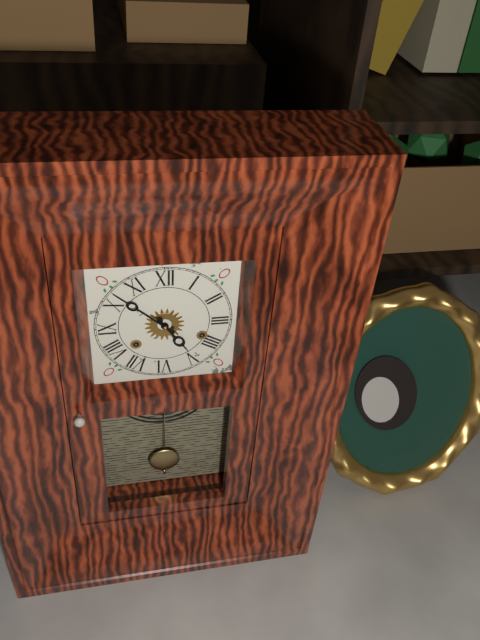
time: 4:52
